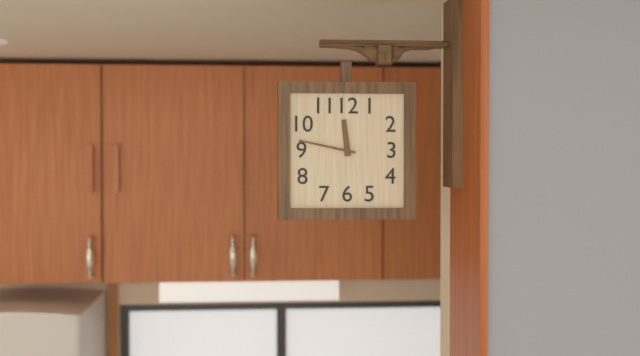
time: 11:47
